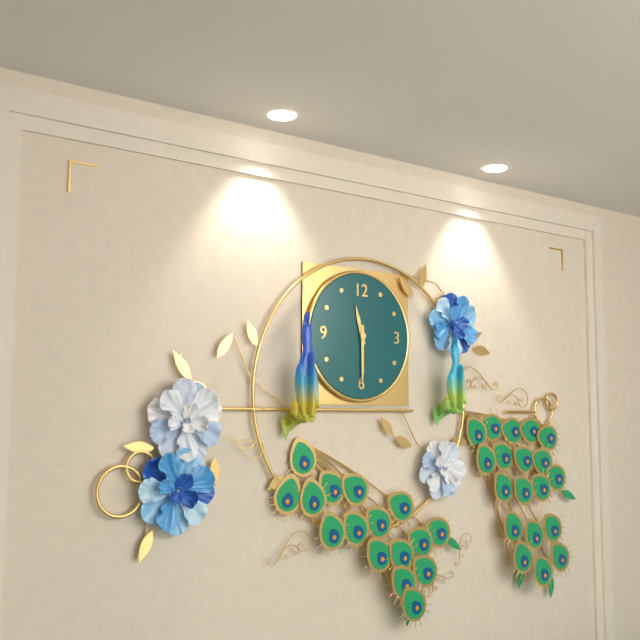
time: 11:30
